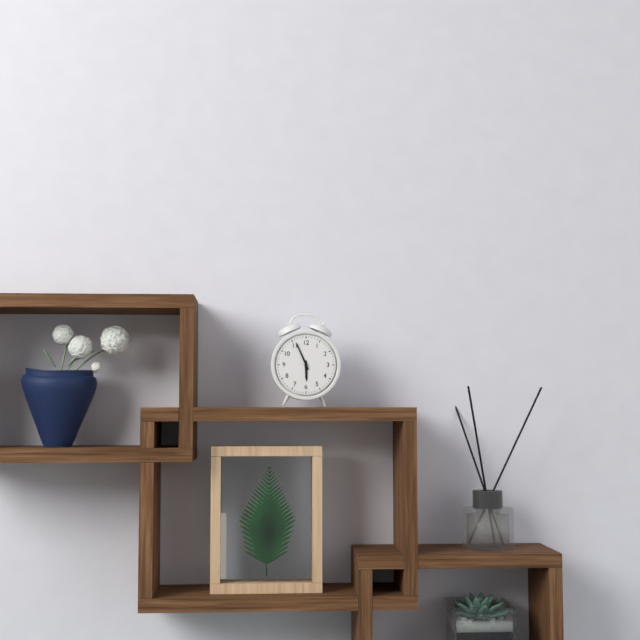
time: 5:56
